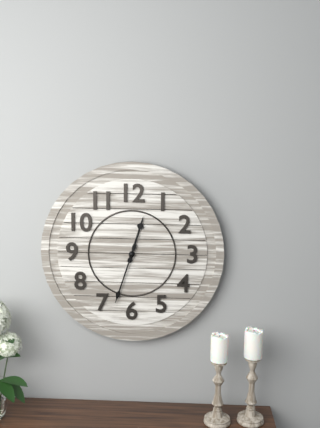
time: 12:33
